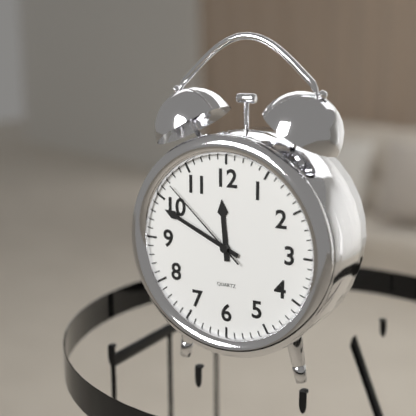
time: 11:49:52
